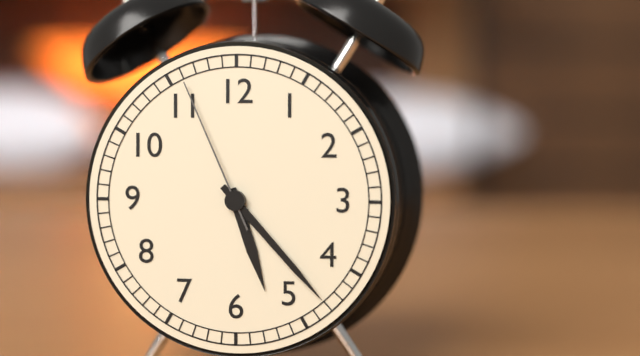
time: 5:23:56
